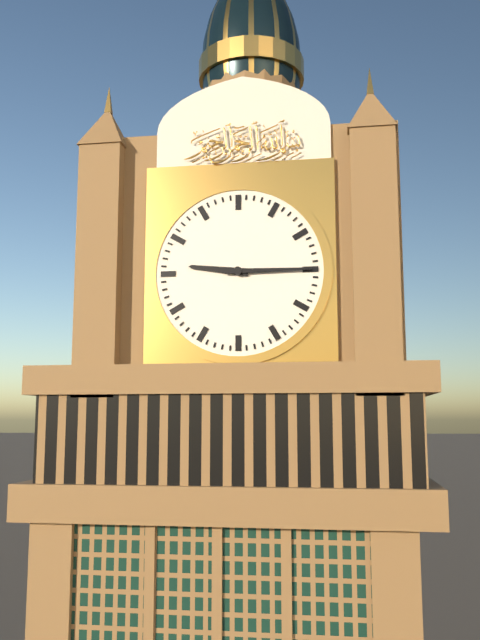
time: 9:15
